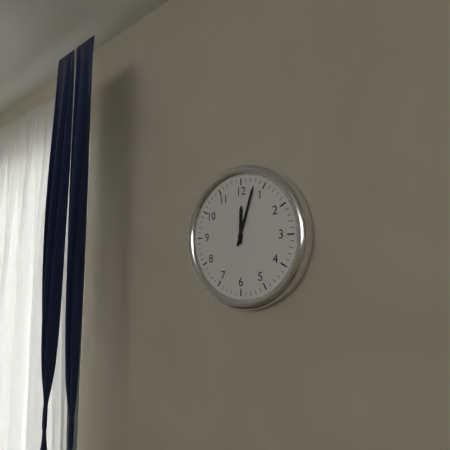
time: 12:03
